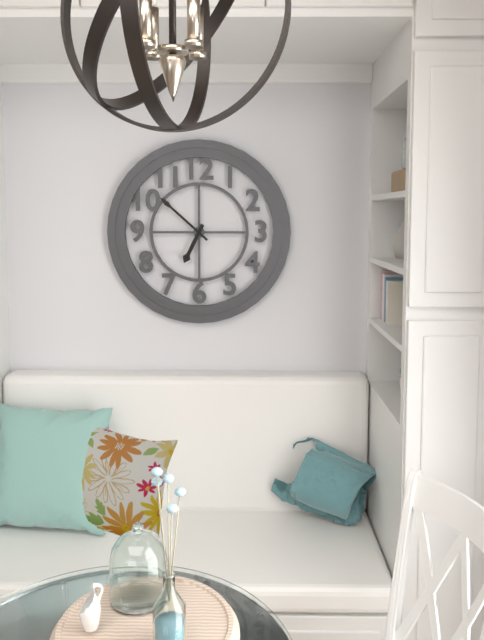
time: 6:52
